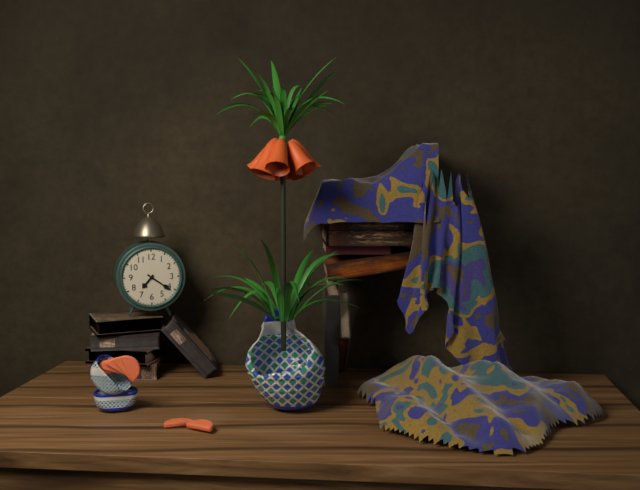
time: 7:21
